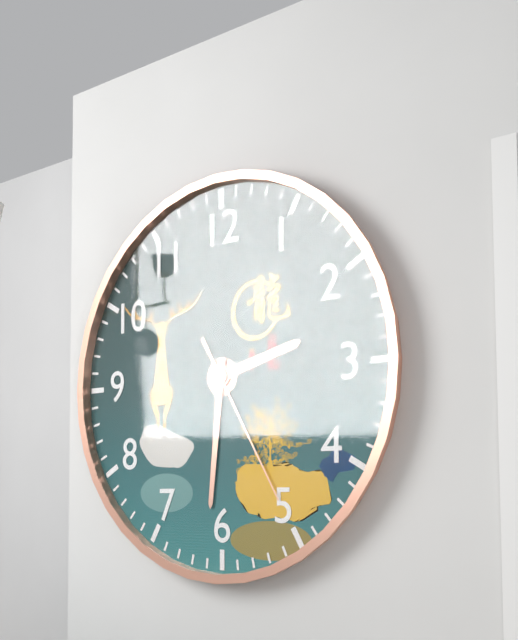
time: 2:31:25
